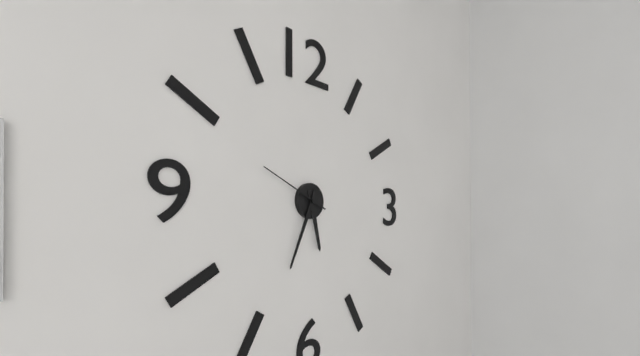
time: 5:34:49
